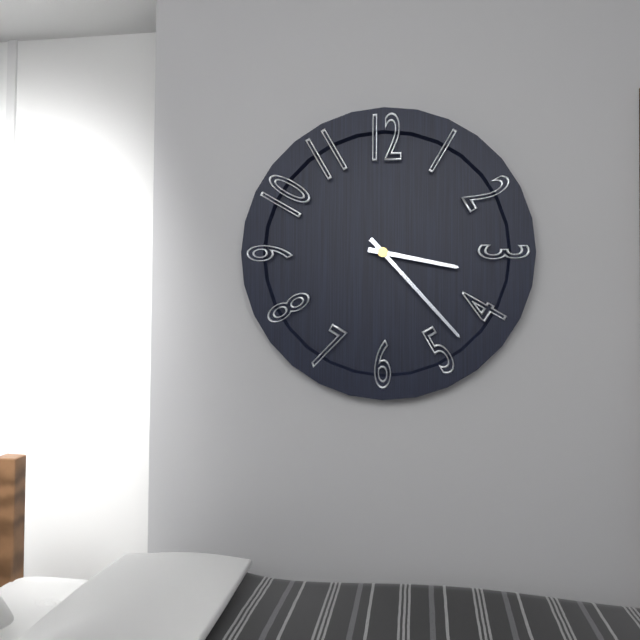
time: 3:23
